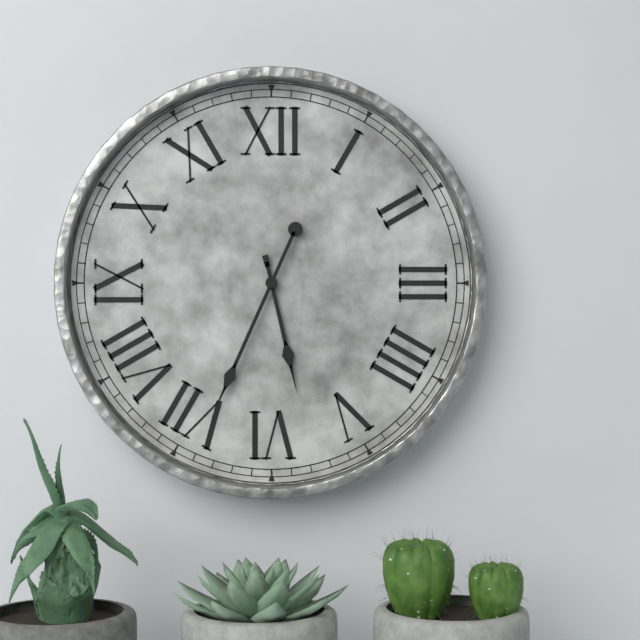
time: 5:34
